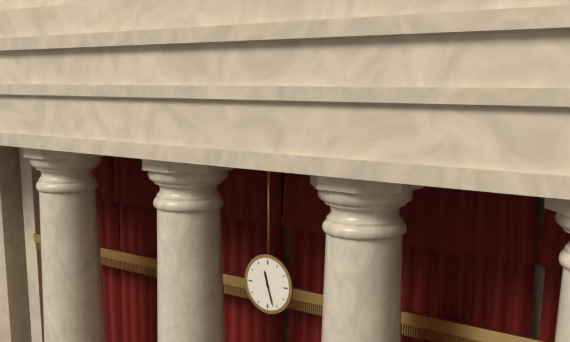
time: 11:27
